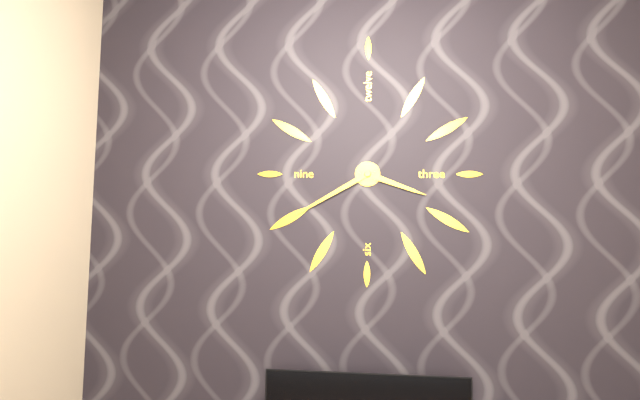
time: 3:40
